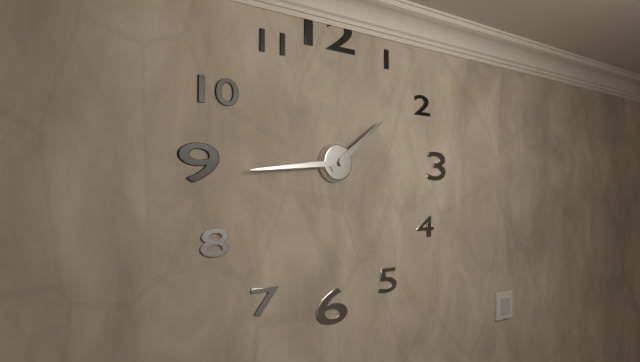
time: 1:44
